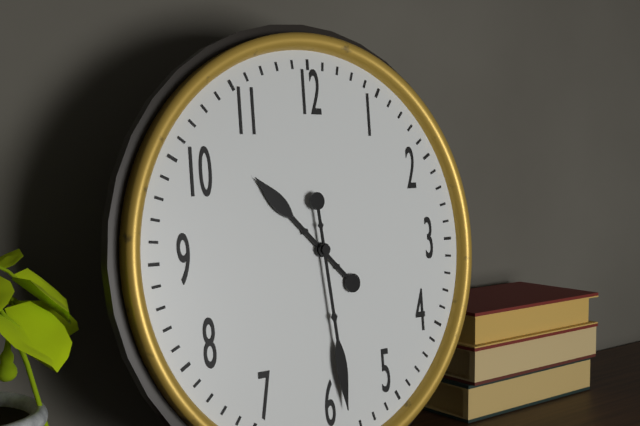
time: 10:29
